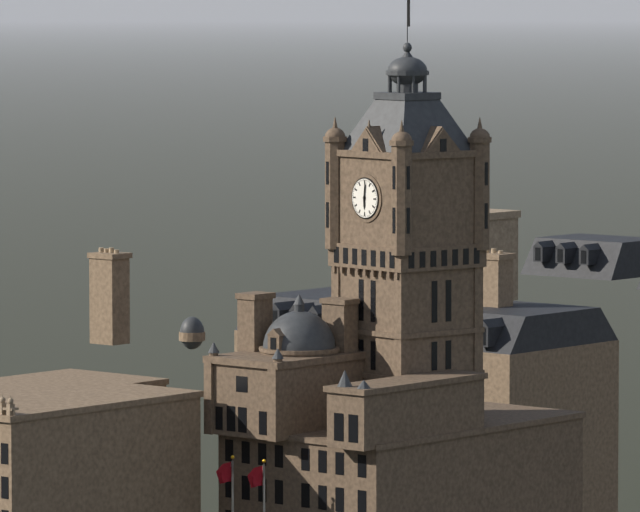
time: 6:01
